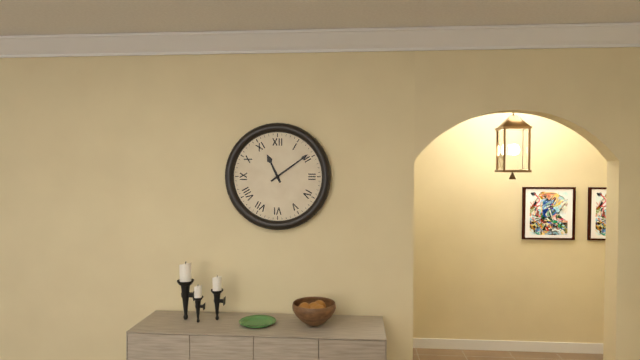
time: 11:09
